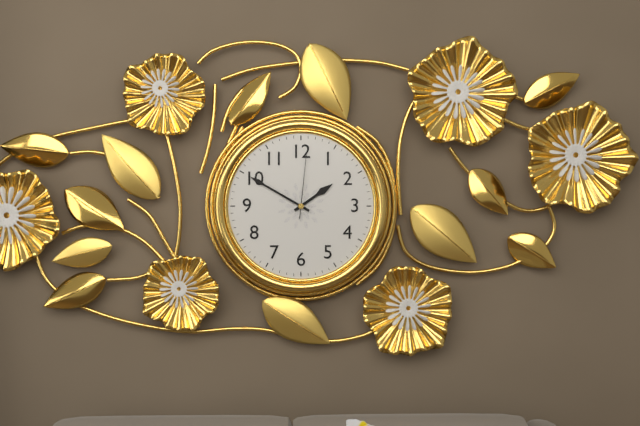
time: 1:50:01
